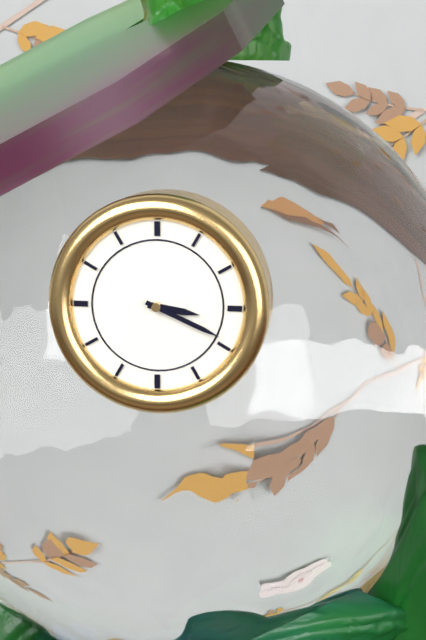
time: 3:19
